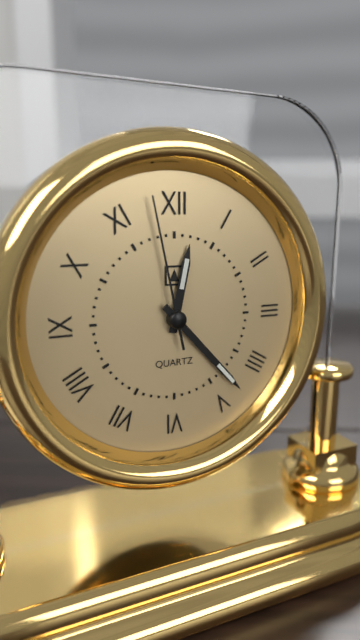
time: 12:23:58
